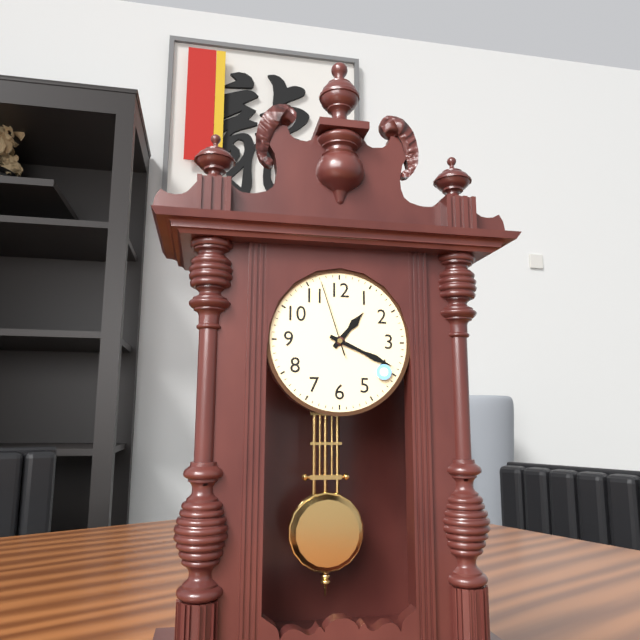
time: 1:19:57
